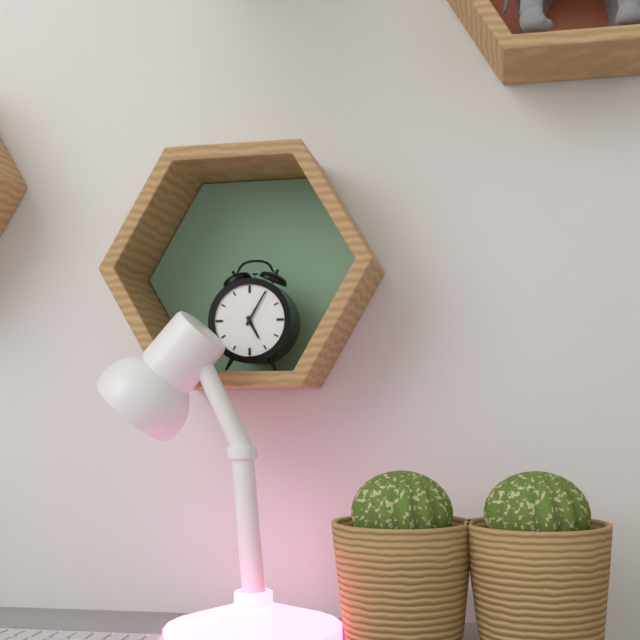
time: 5:05
